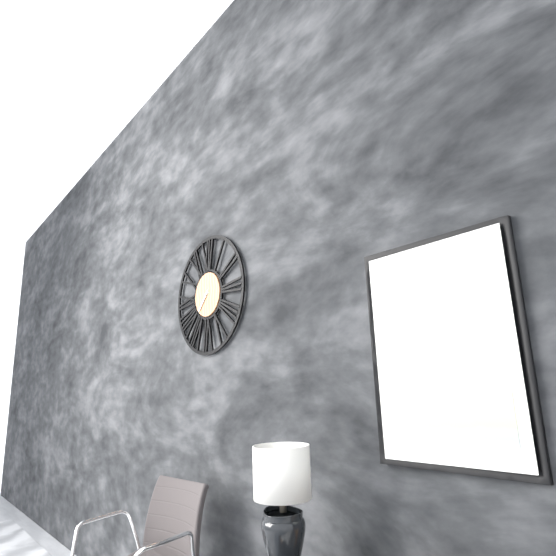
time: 7:37
